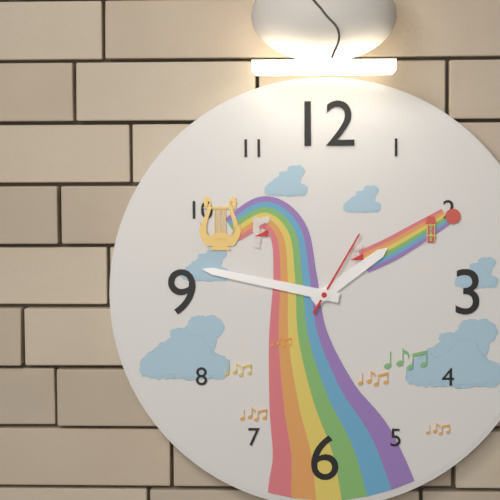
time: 1:47:05
